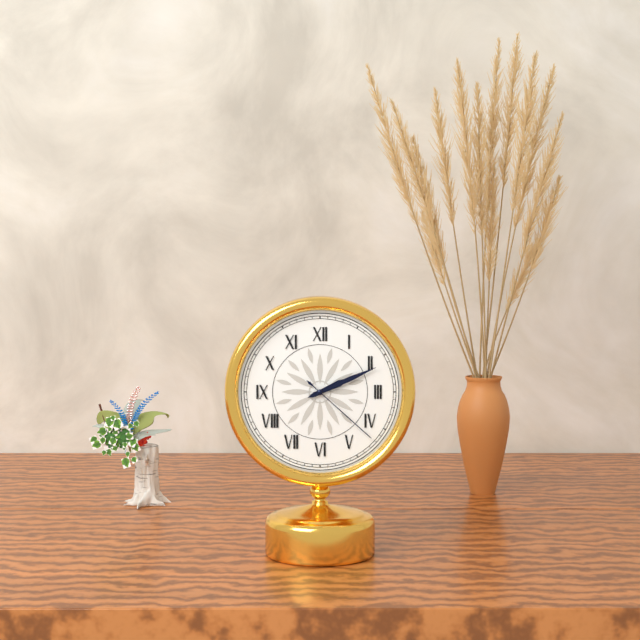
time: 2:11:22
